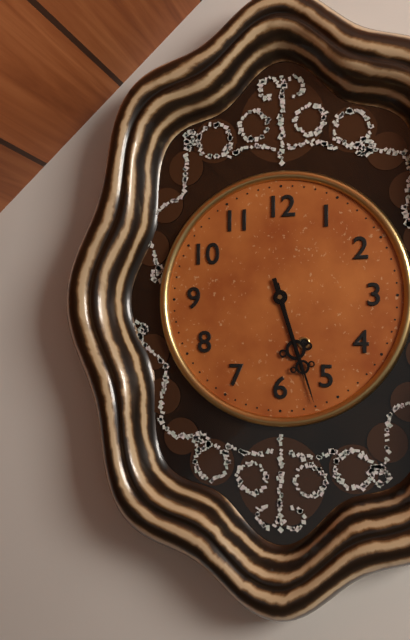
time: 5:27
